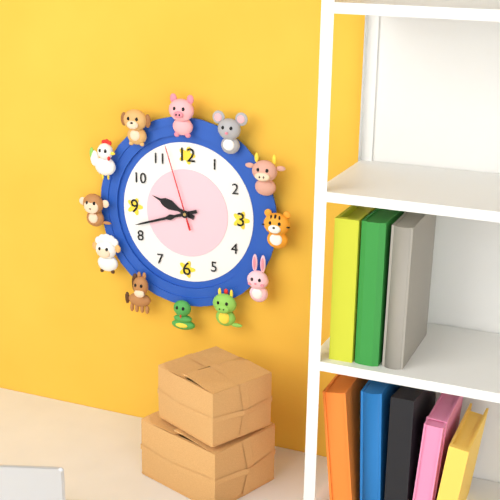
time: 9:42:57
